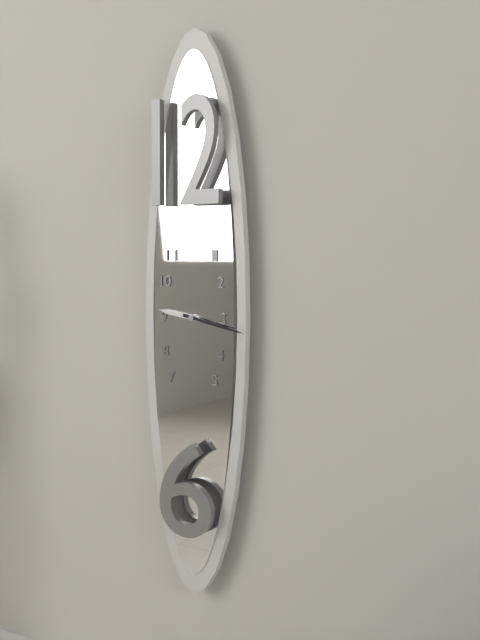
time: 9:17
